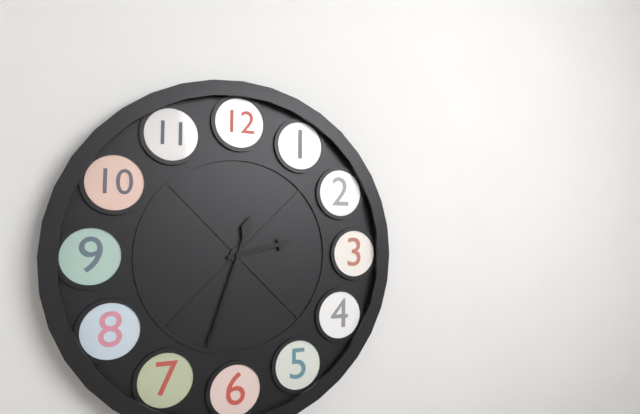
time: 2:33
